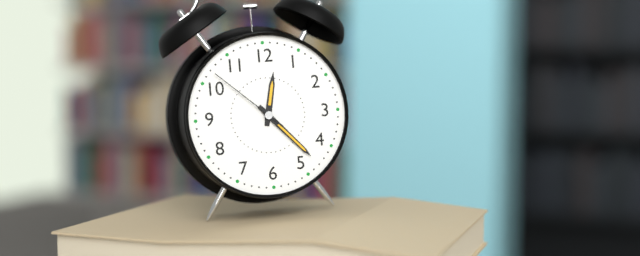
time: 12:23:52
